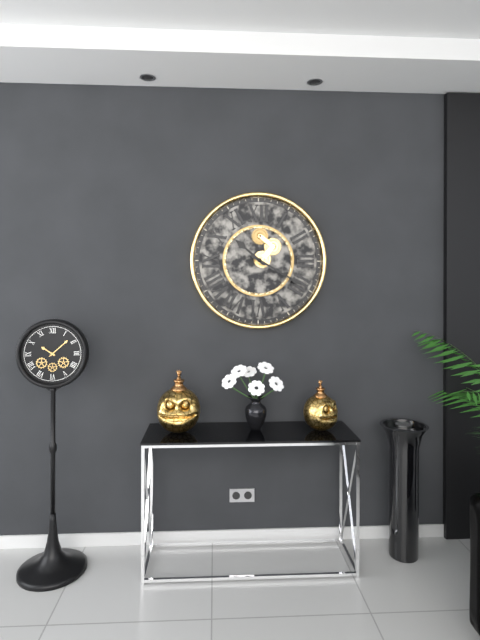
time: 10:20
